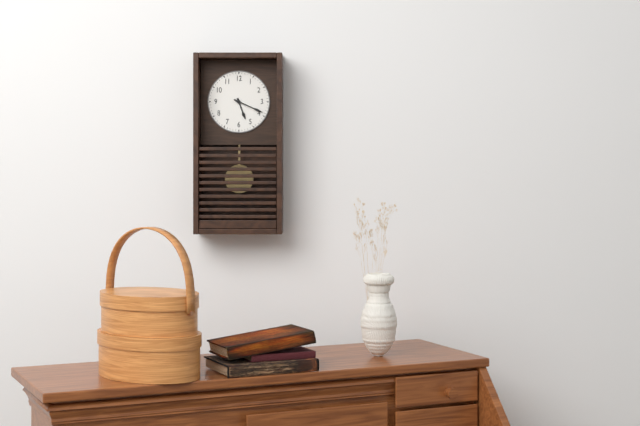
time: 5:19
